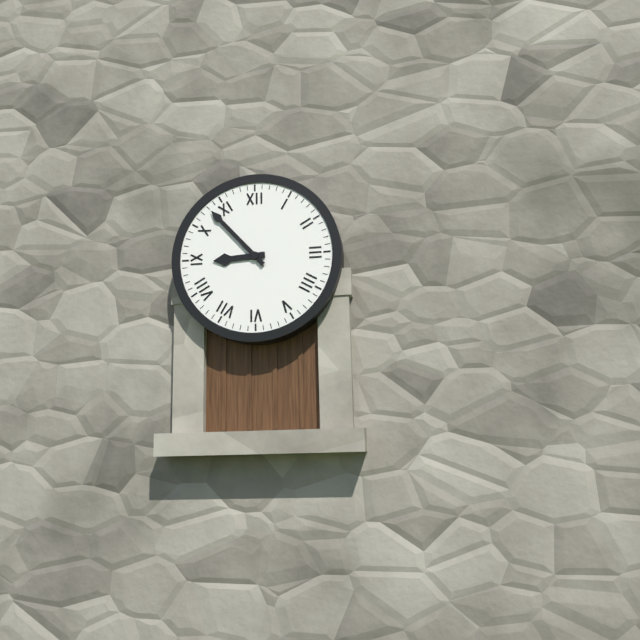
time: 8:53
